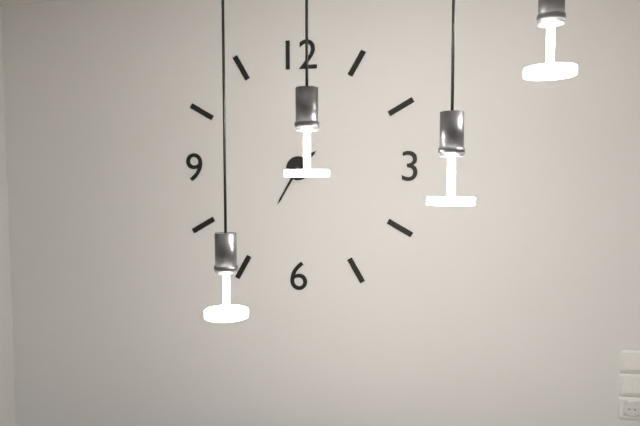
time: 1:35
